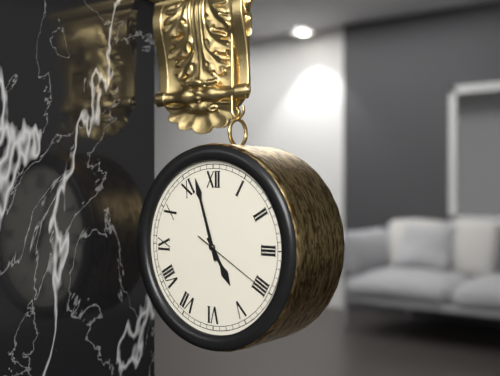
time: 4:57:20
